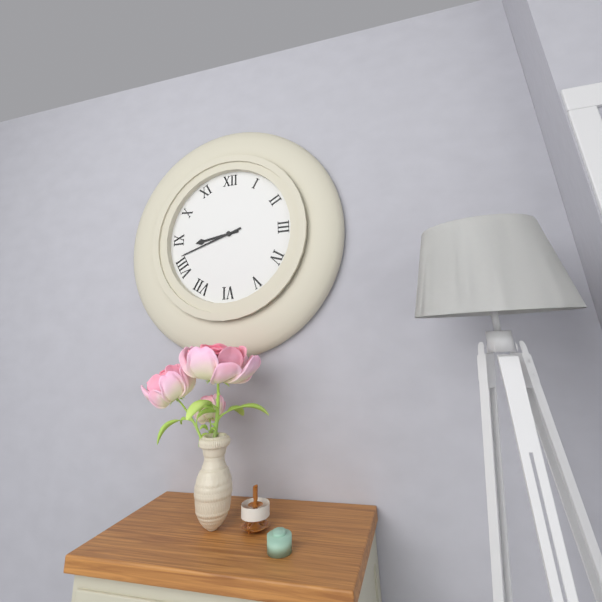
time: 8:42
